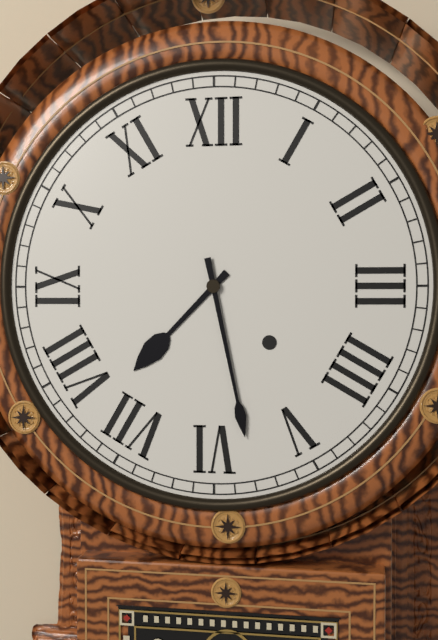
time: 7:28
